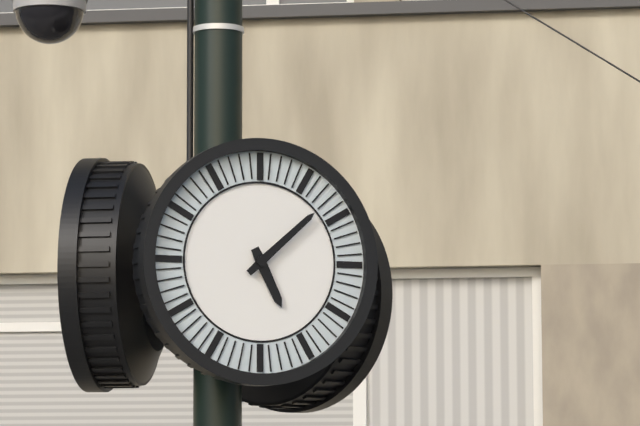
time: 5:08
